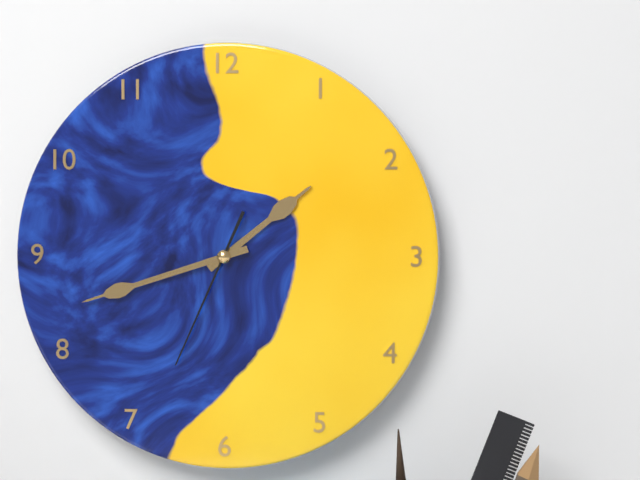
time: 1:42:34
